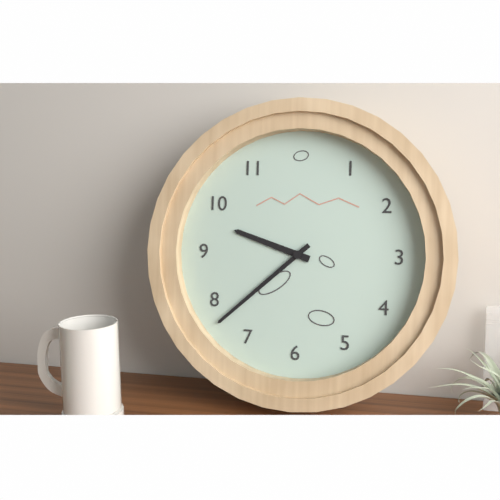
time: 9:38
